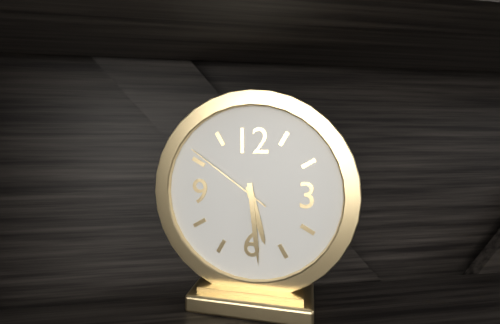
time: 5:29:51
